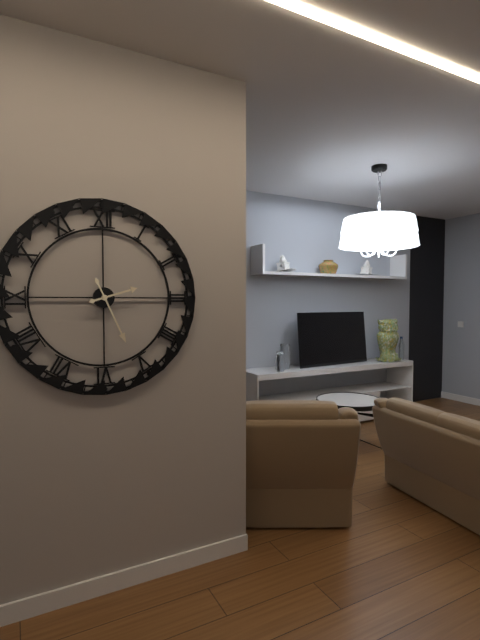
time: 2:26
